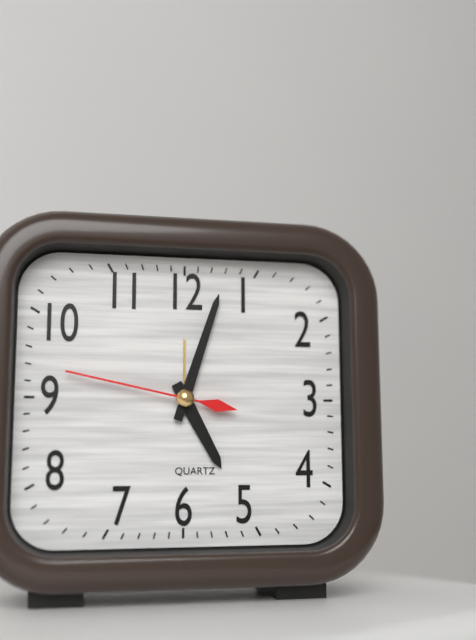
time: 5:03:47
